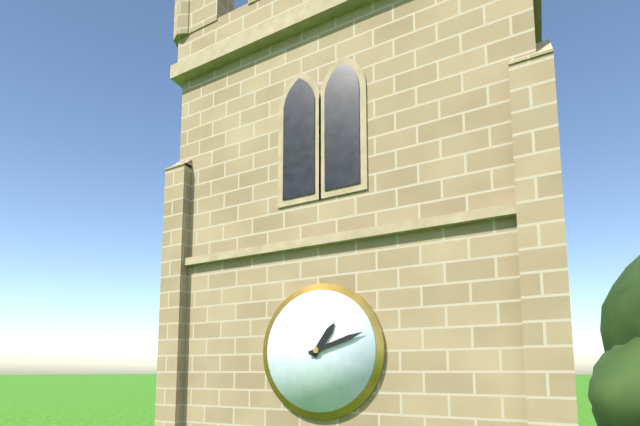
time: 1:12
